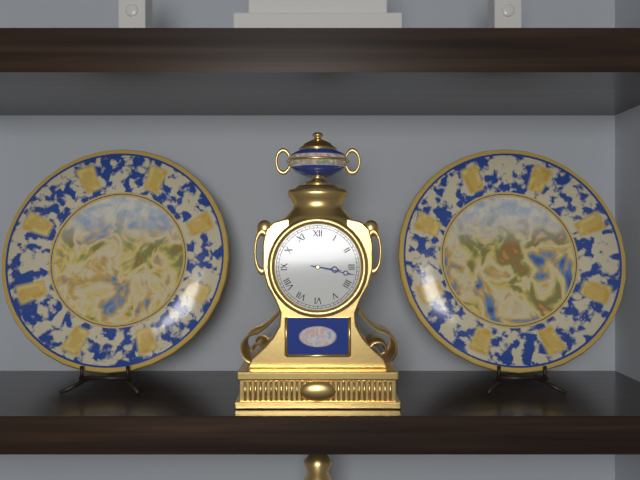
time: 3:17
